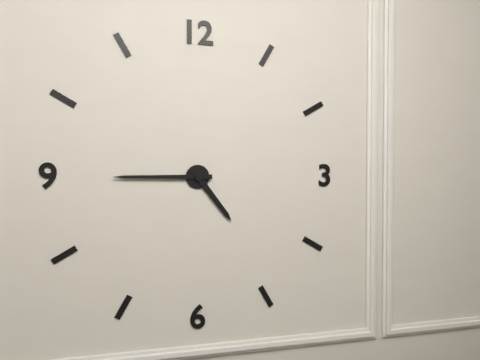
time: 4:45
